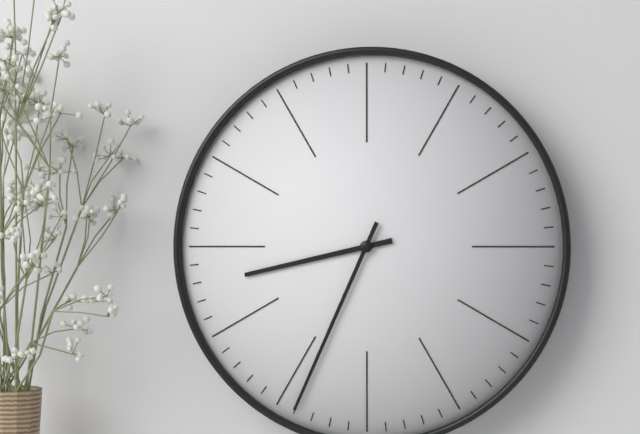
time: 8:34
